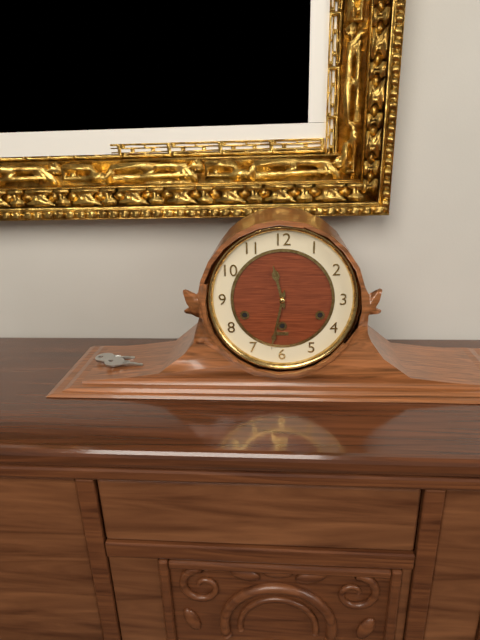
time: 11:32
